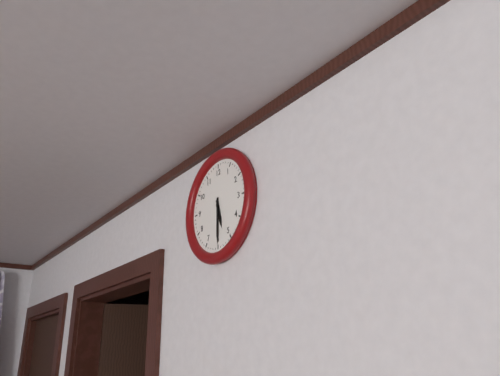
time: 5:30
